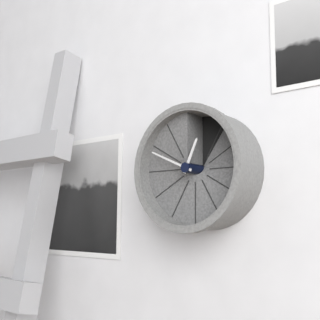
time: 12:49
